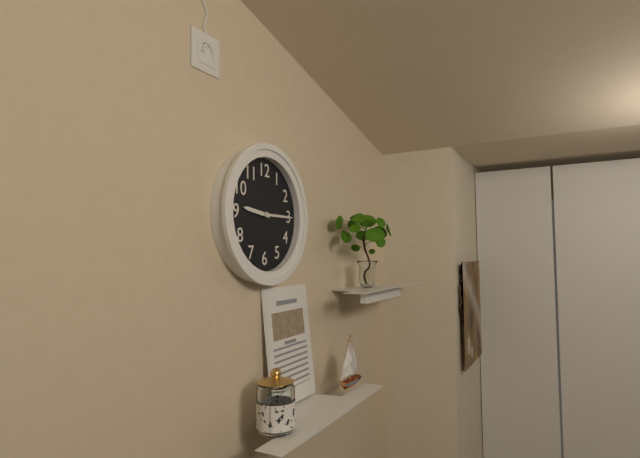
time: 9:15
